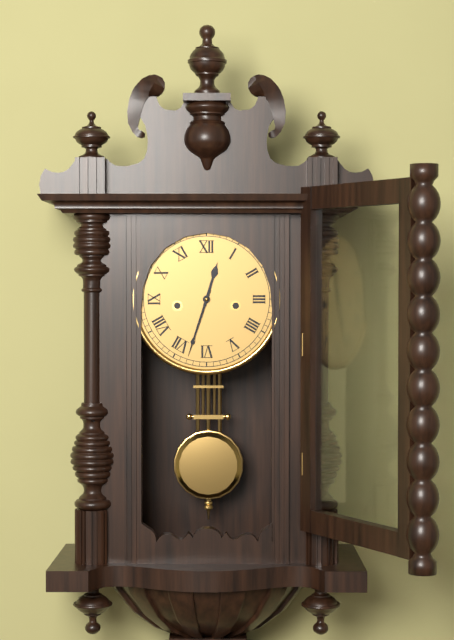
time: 12:33
